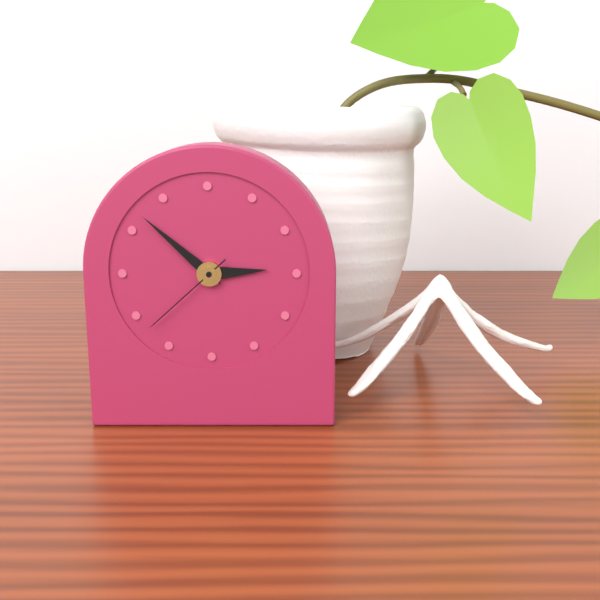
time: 2:52:38
